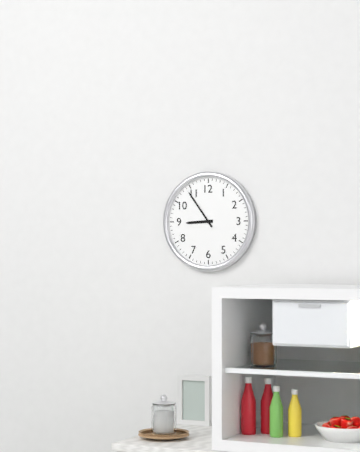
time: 8:54
